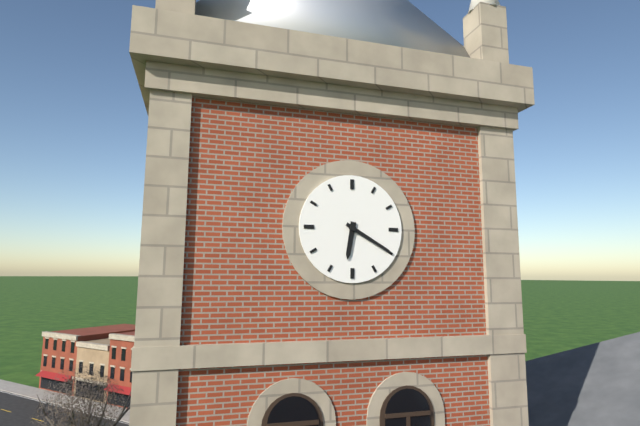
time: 6:20
